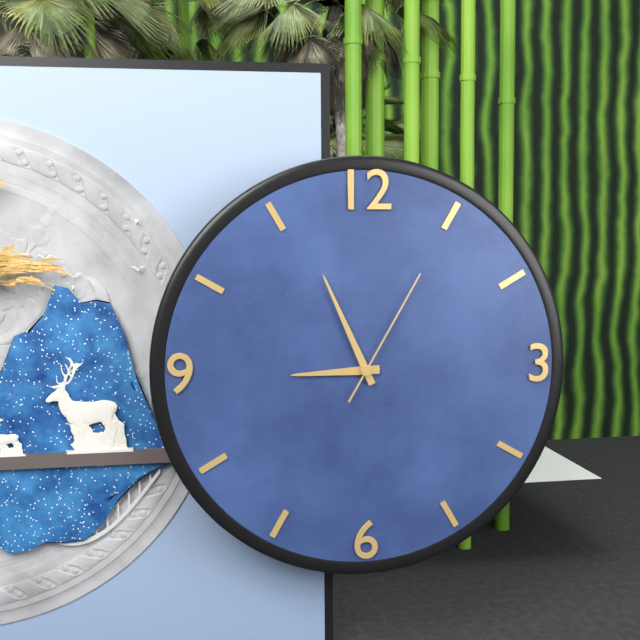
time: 8:56:05
